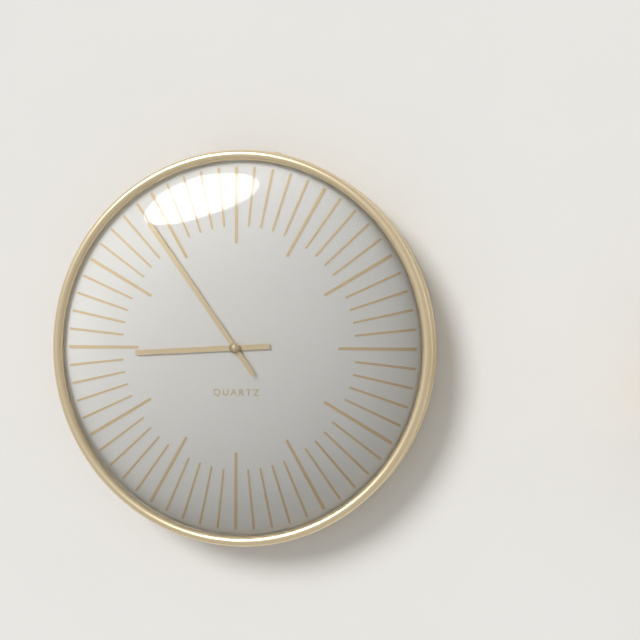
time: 8:54
